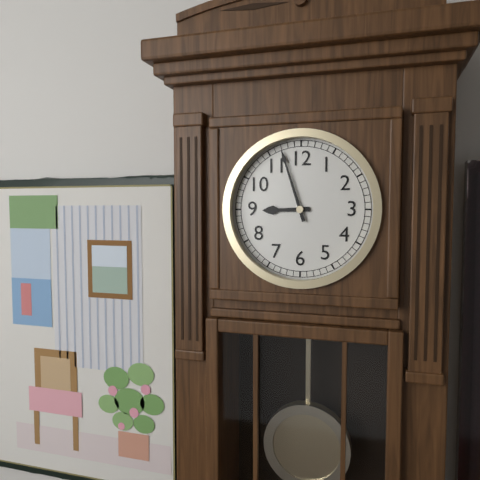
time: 8:57
